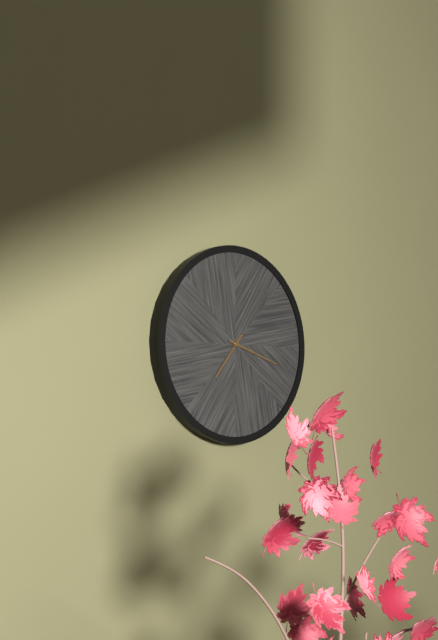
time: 7:18
